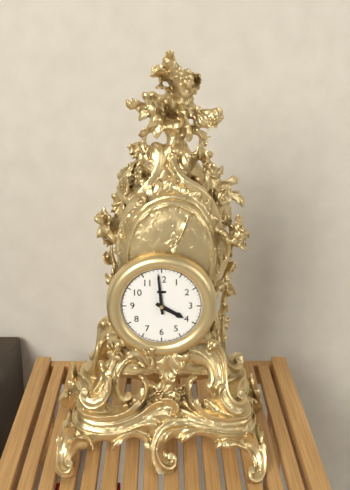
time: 3:59
